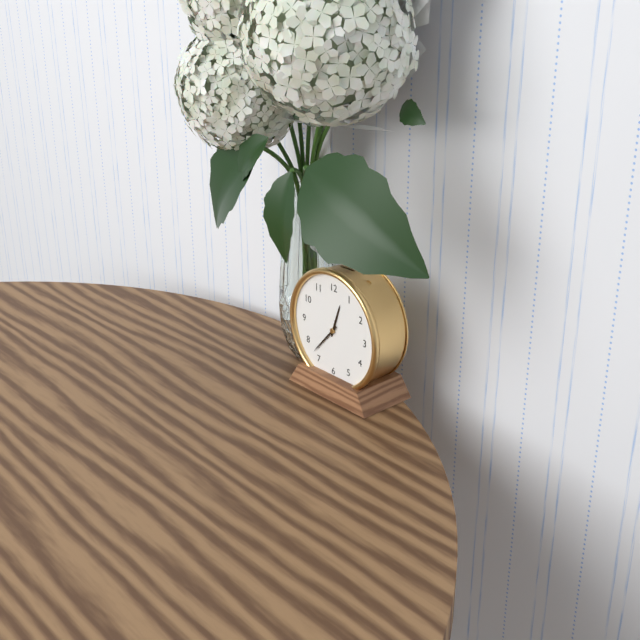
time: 12:37
